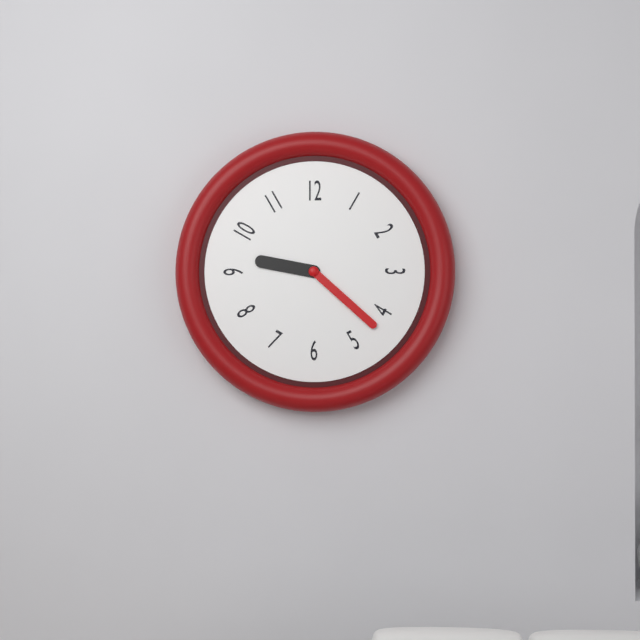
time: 9:22
